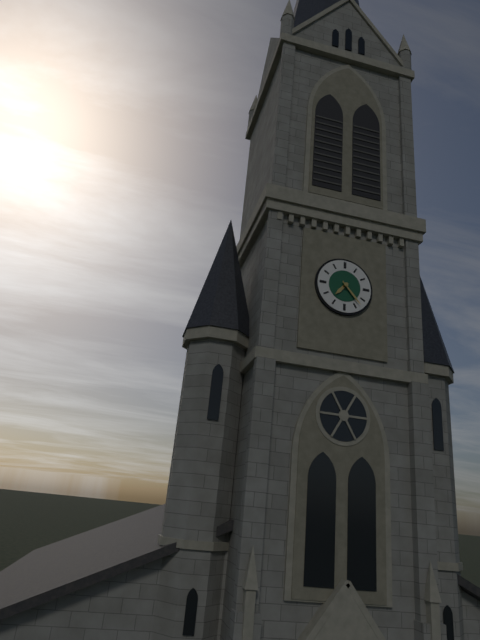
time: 7:23
